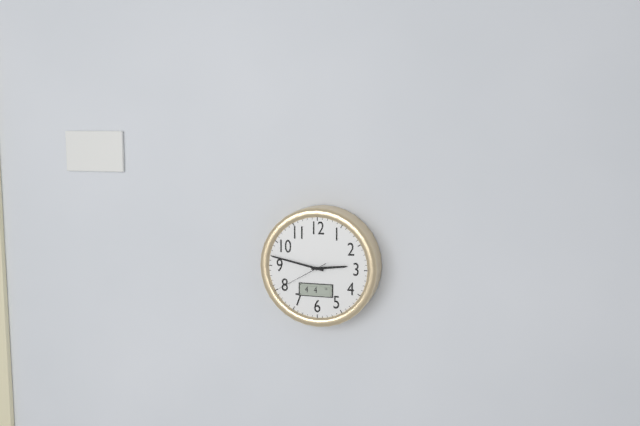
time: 2:47:40
